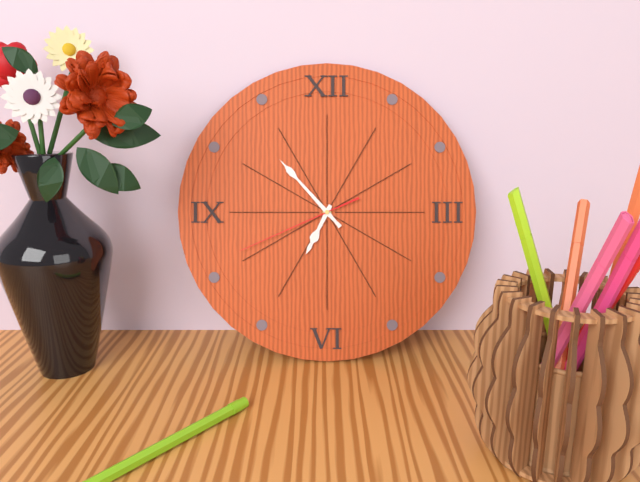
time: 6:53:41
